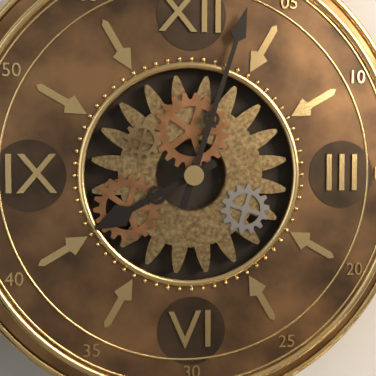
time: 8:03
